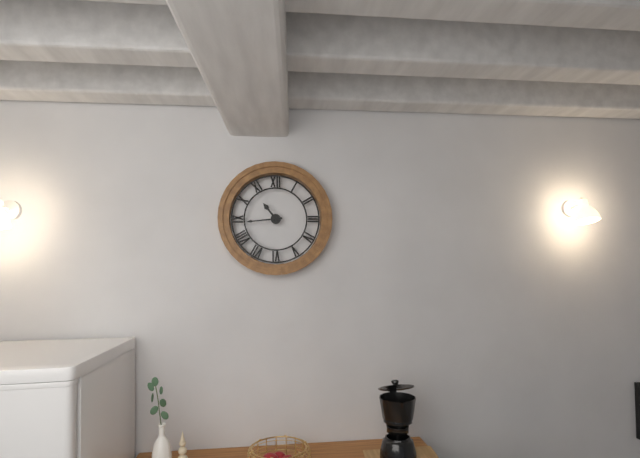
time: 10:44
